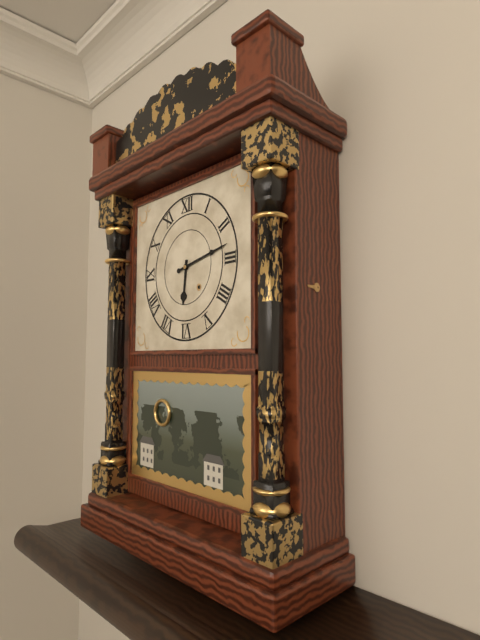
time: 6:13
